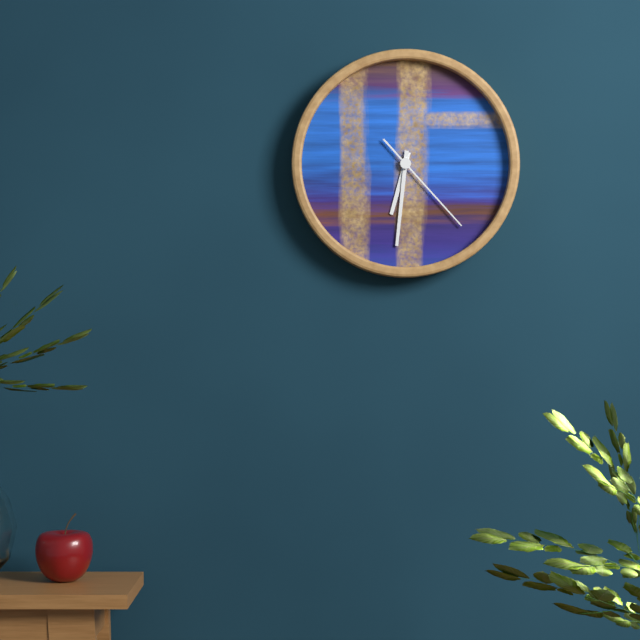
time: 6:31:23
